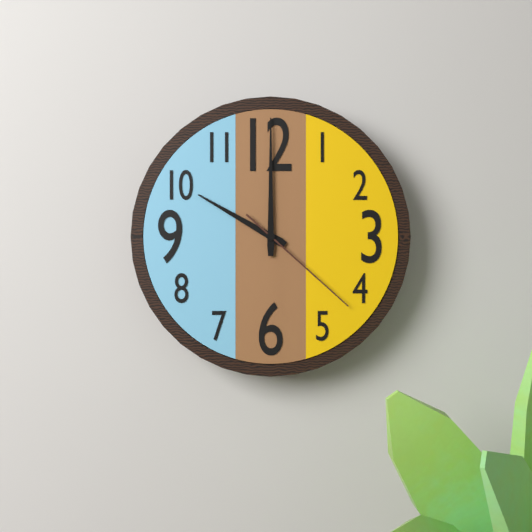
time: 10:00:22
